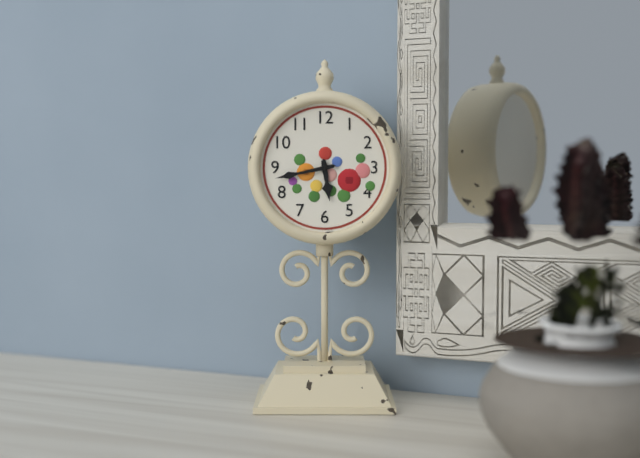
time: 5:43
